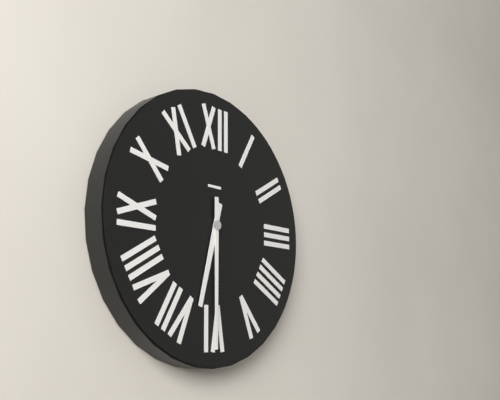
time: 6:30
